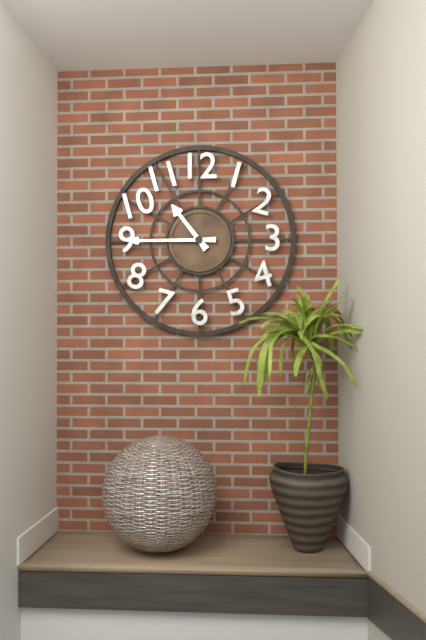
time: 10:45
